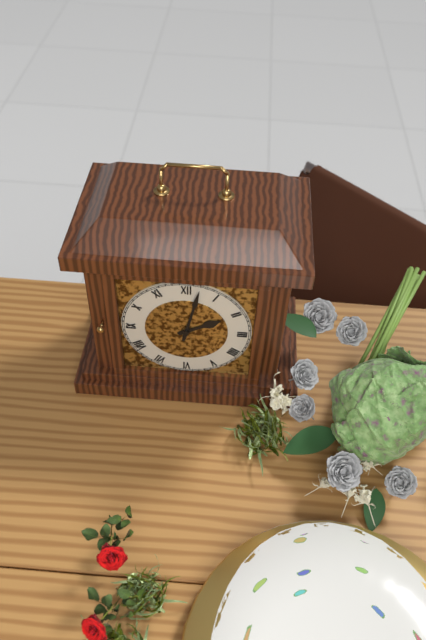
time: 2:02
